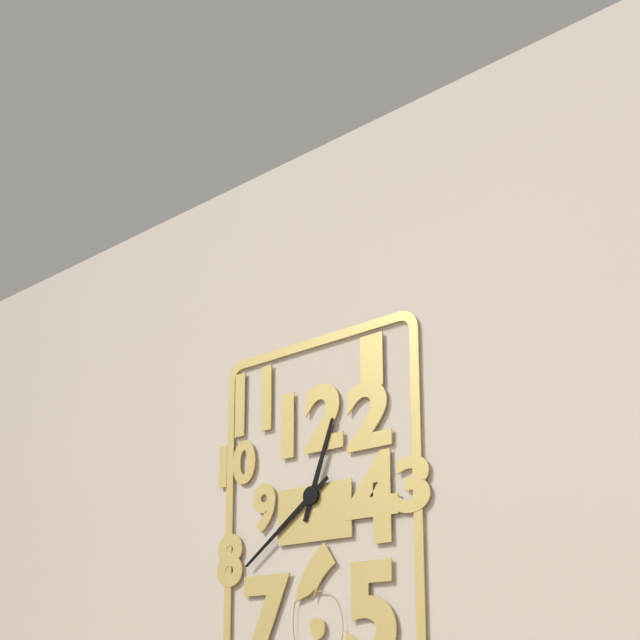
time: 12:39
